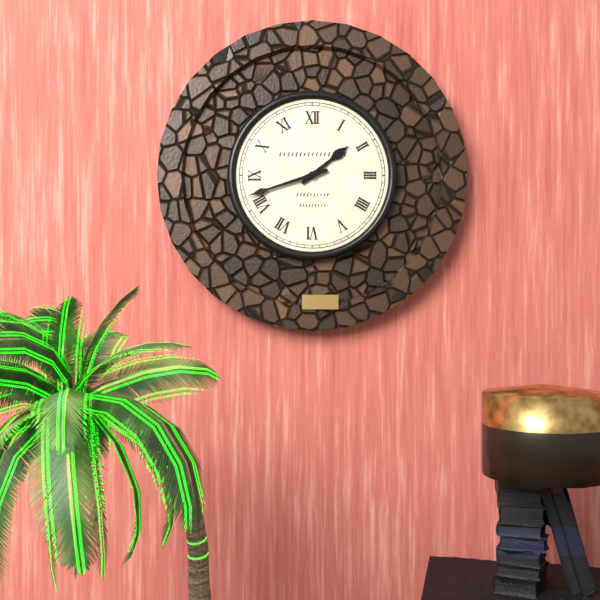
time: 1:42
